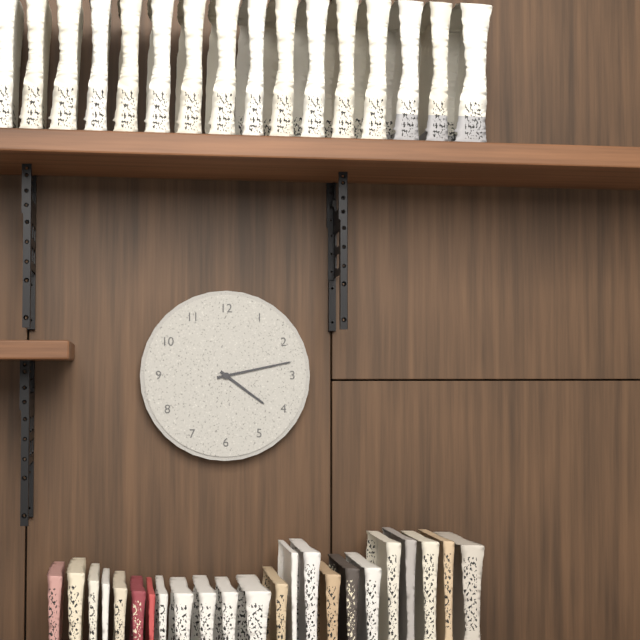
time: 4:13
